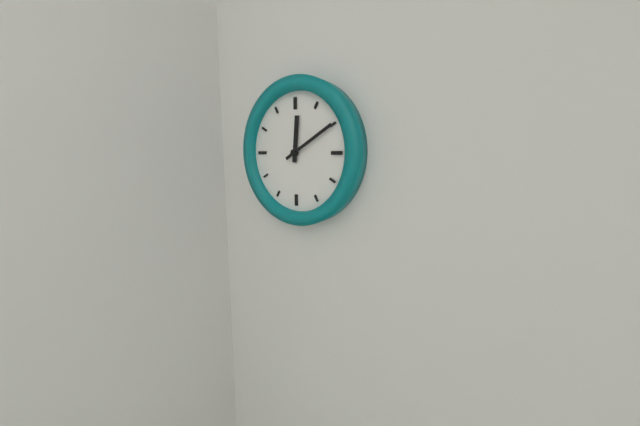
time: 12:10
